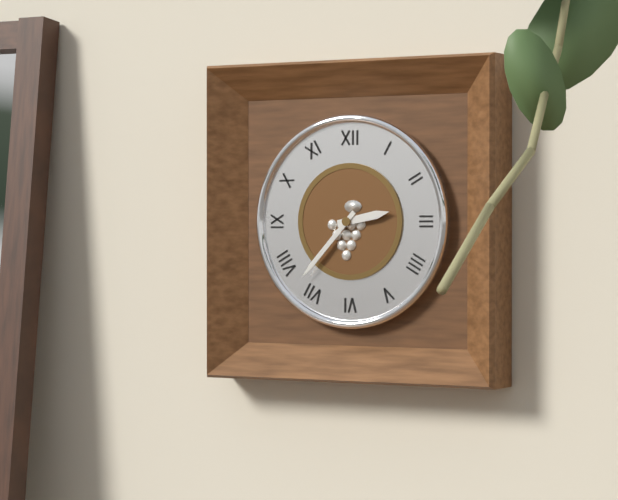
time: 2:37
